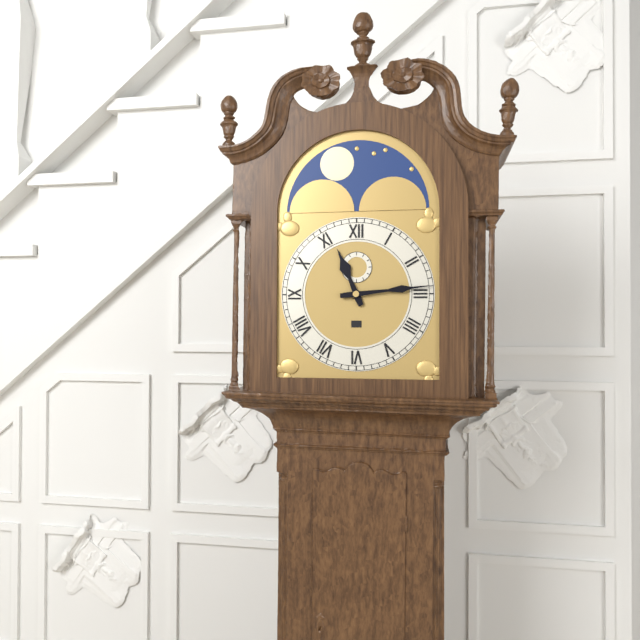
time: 11:14
